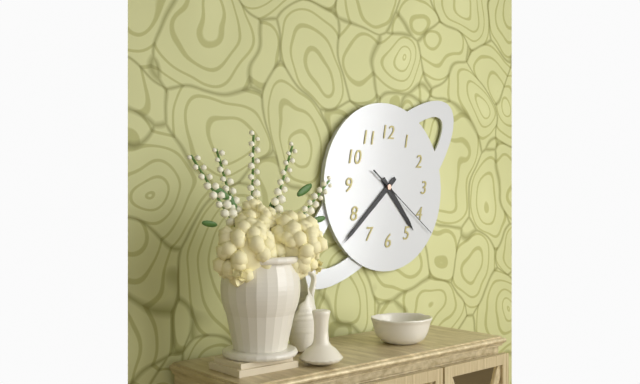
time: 4:38:21
